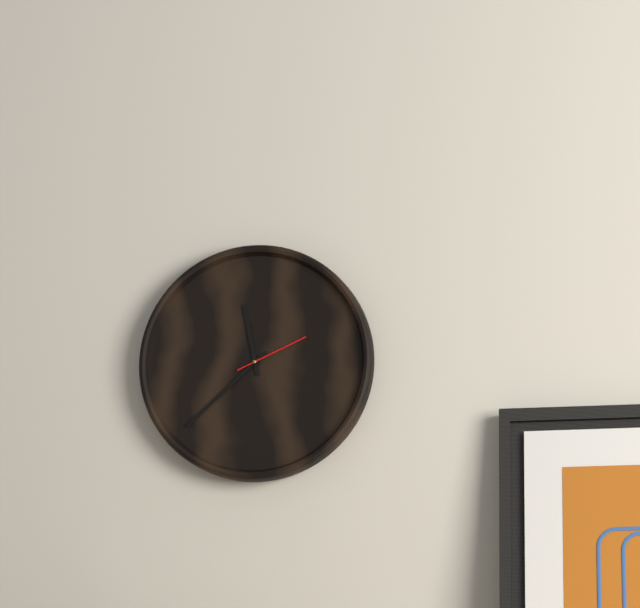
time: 11:38:11
